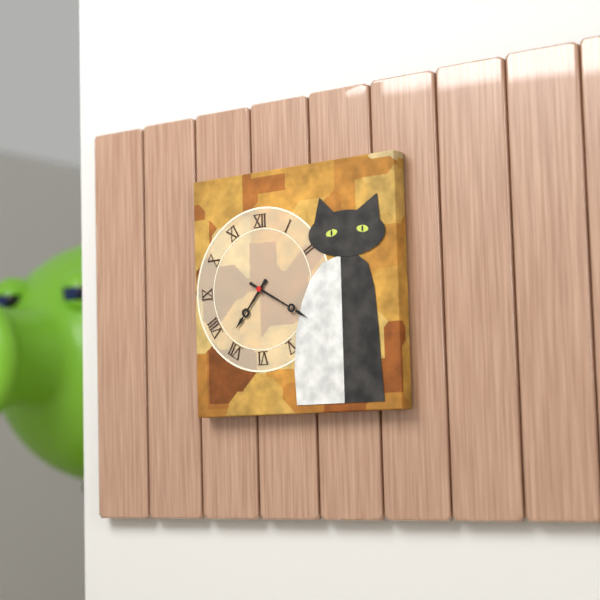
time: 7:20
